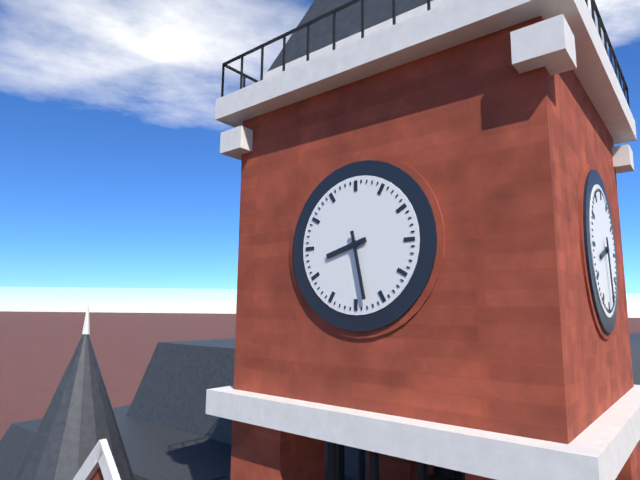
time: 8:28
